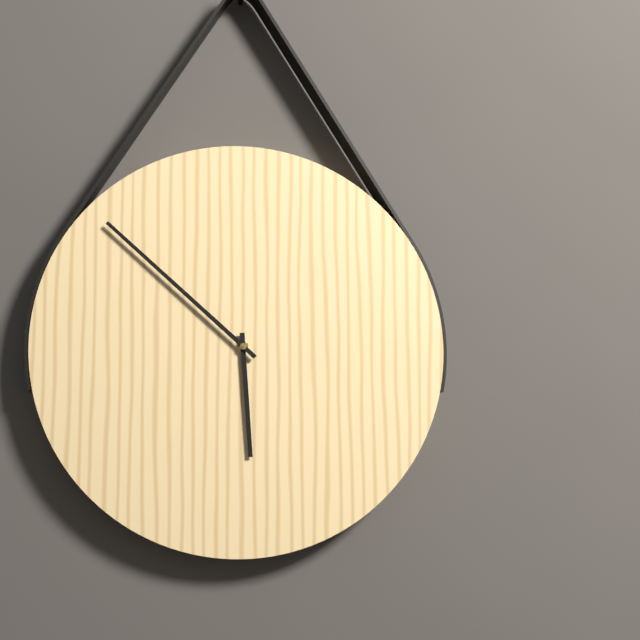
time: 5:52
